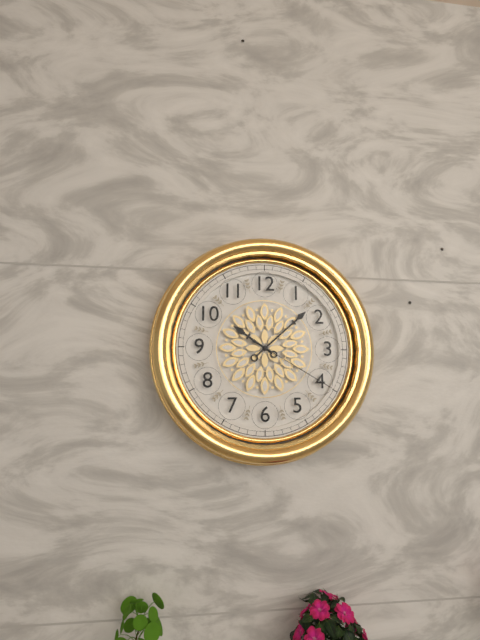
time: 10:08:20
